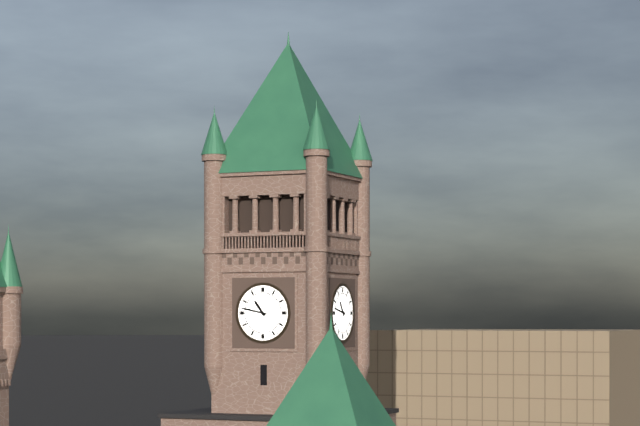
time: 10:47
